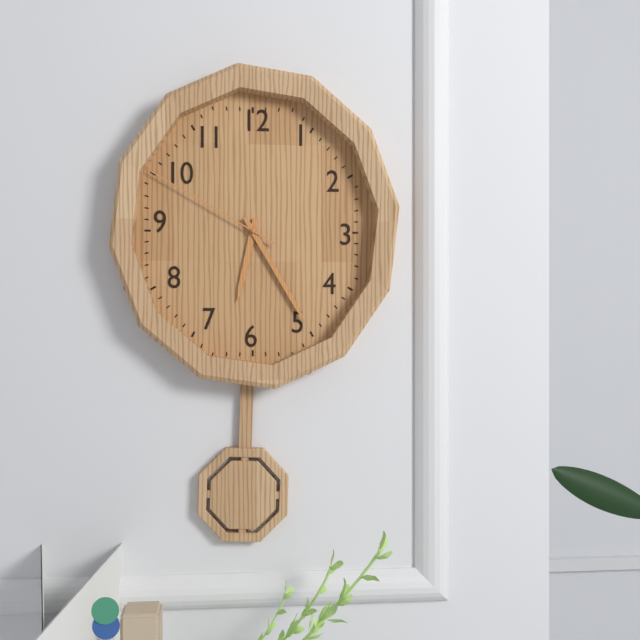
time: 6:25:50
